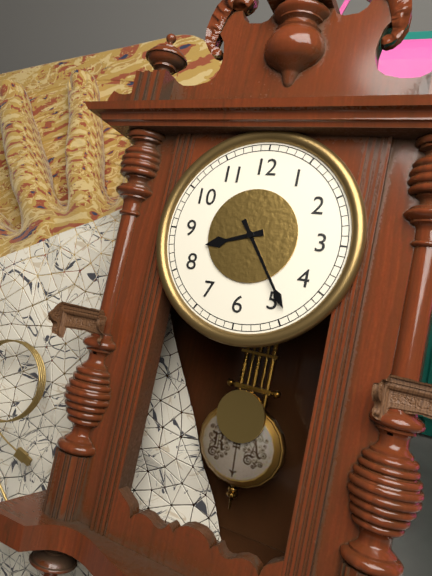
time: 8:24
